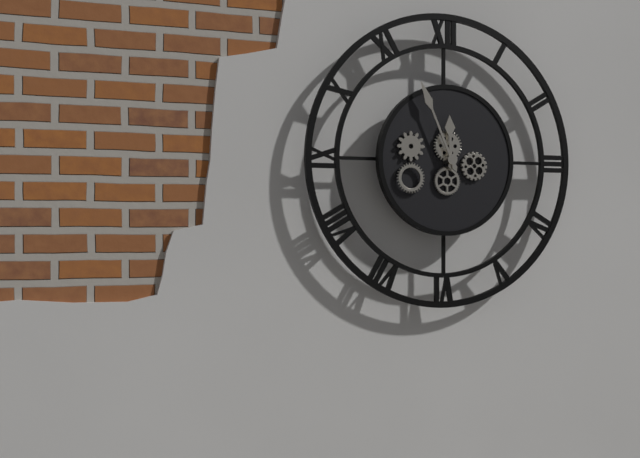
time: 11:56
